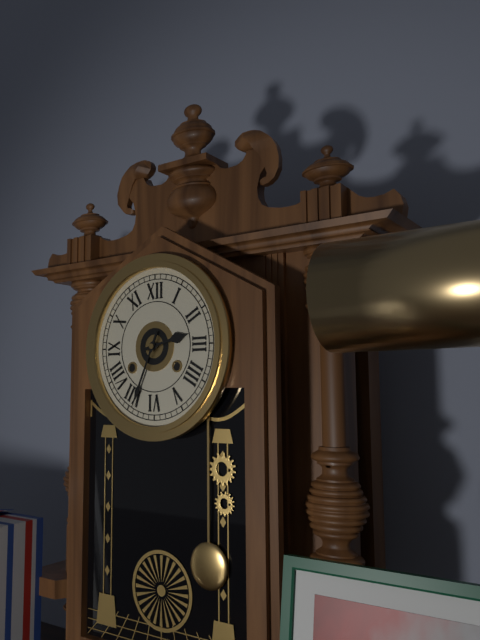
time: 2:34
